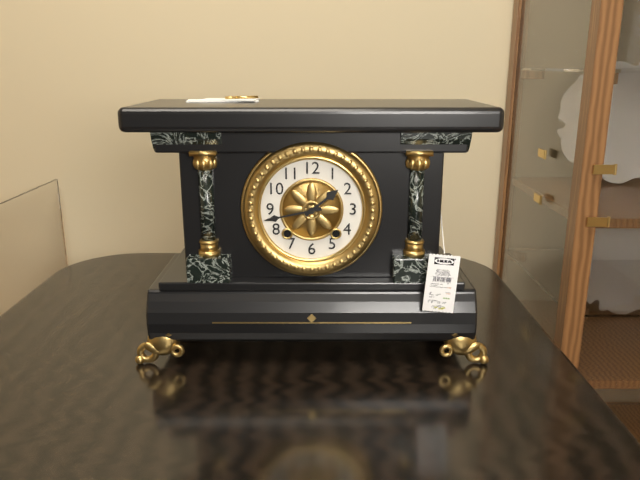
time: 1:43
